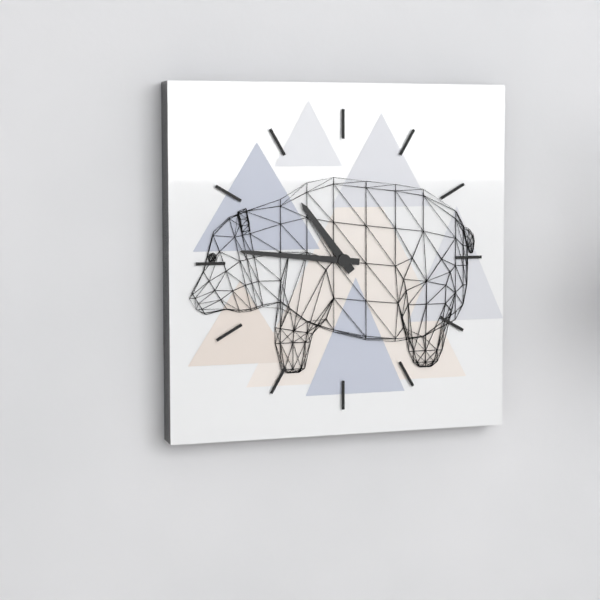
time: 10:46
